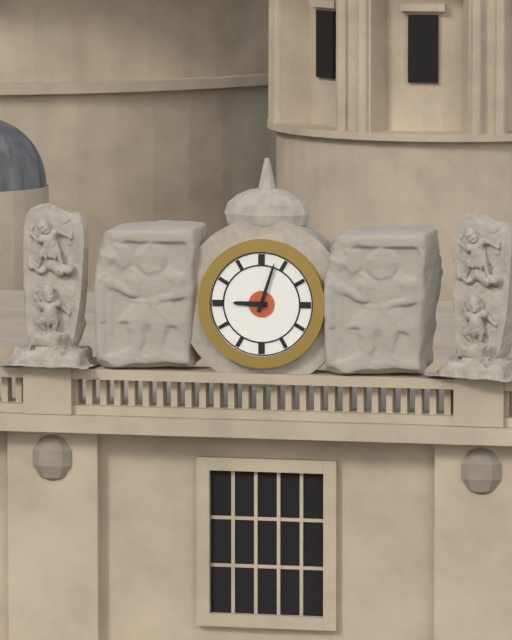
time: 9:03
